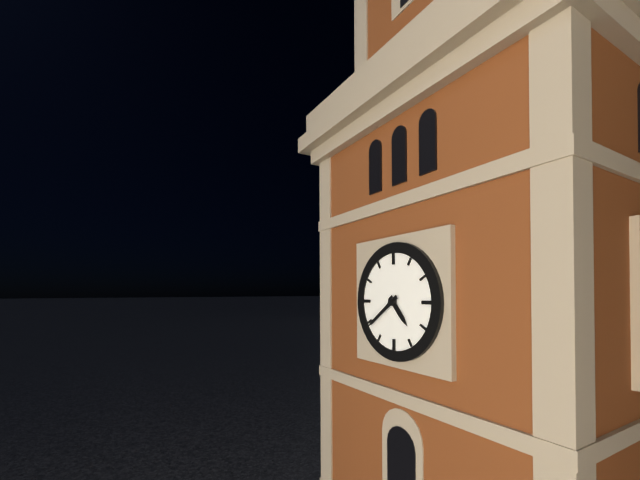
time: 4:39
